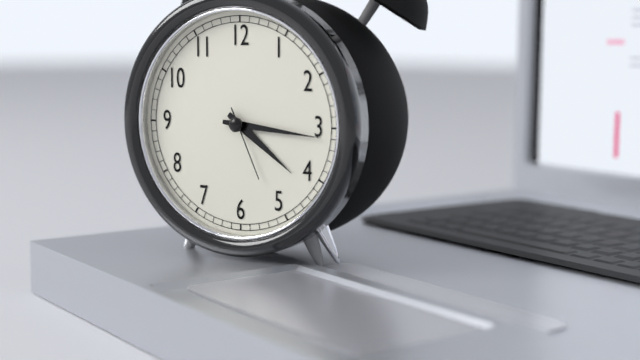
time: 4:16:26
